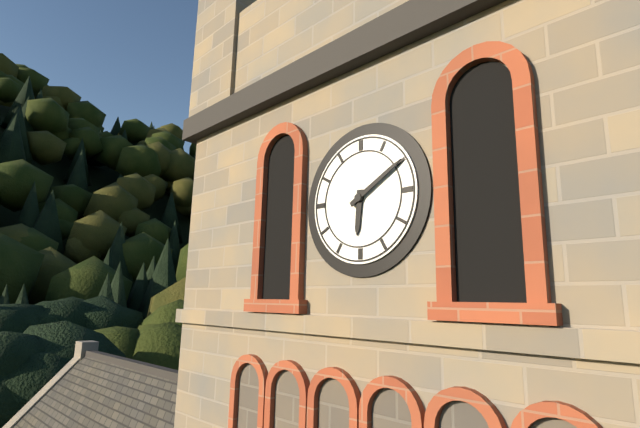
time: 6:10
